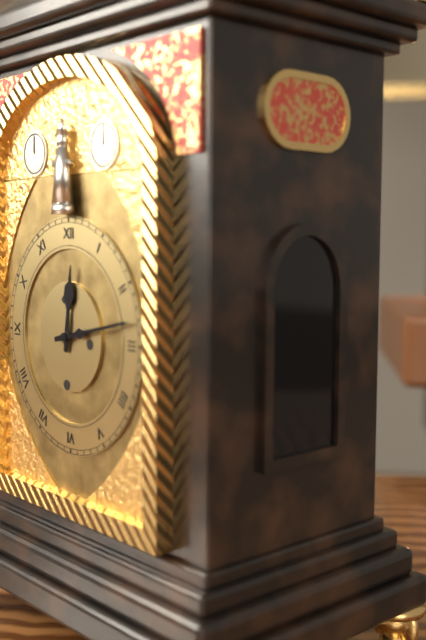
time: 12:13
